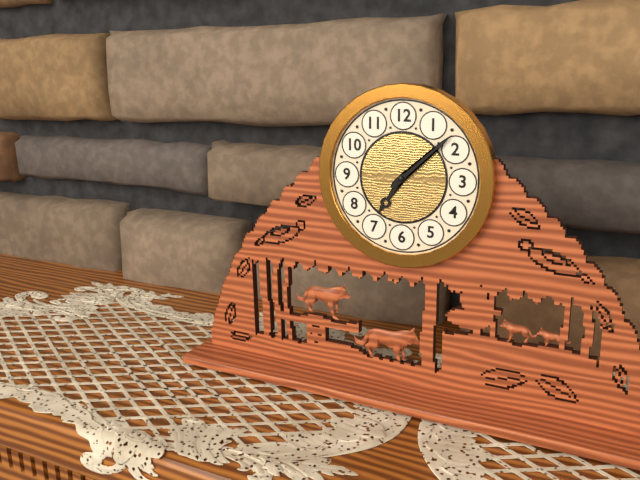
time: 7:08
